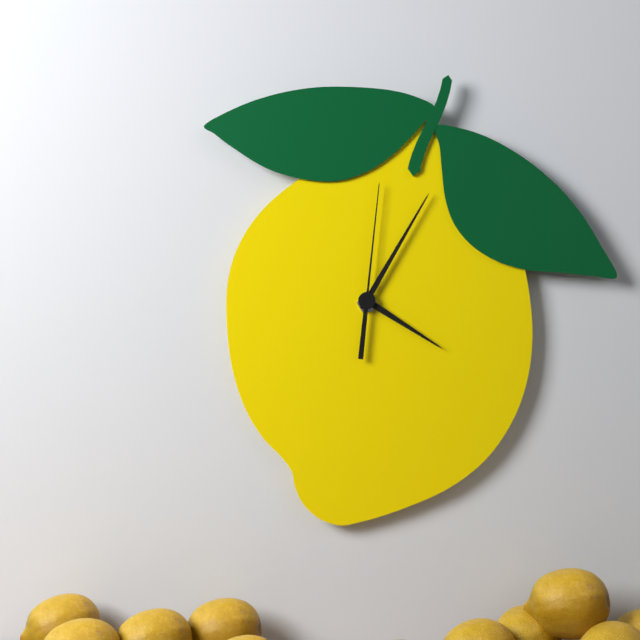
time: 4:05:01
